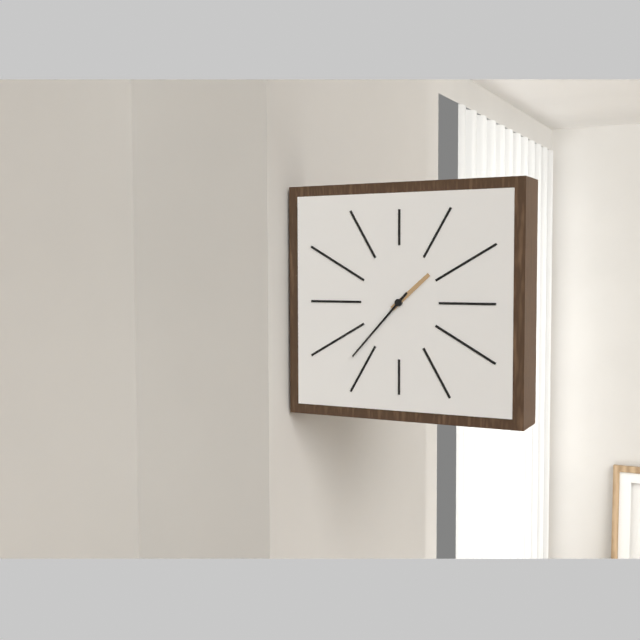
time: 1:37
